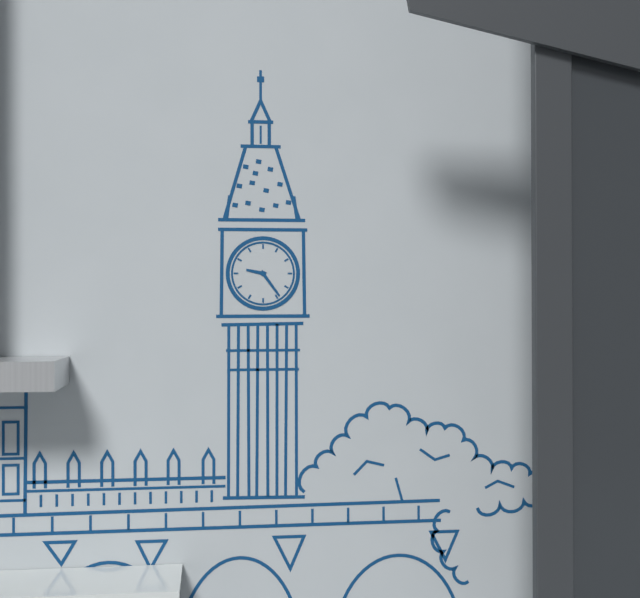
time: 9:24
